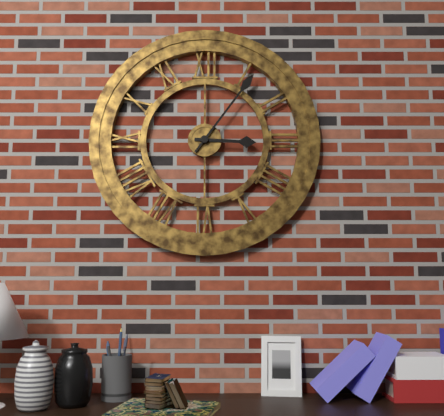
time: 3:06
